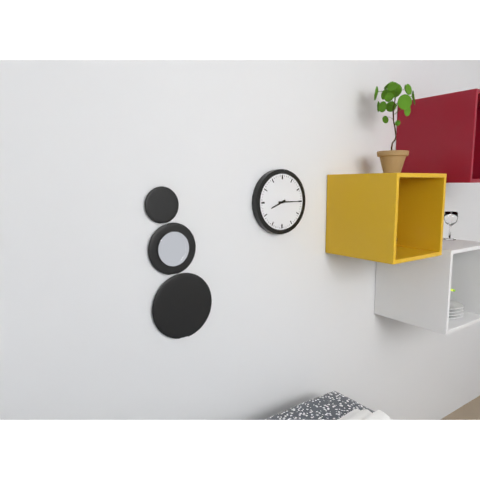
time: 8:15
